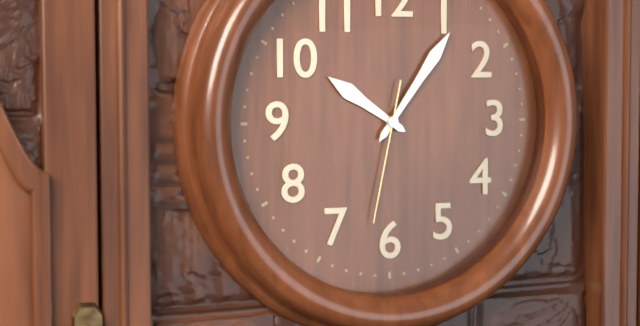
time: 10:06:32
